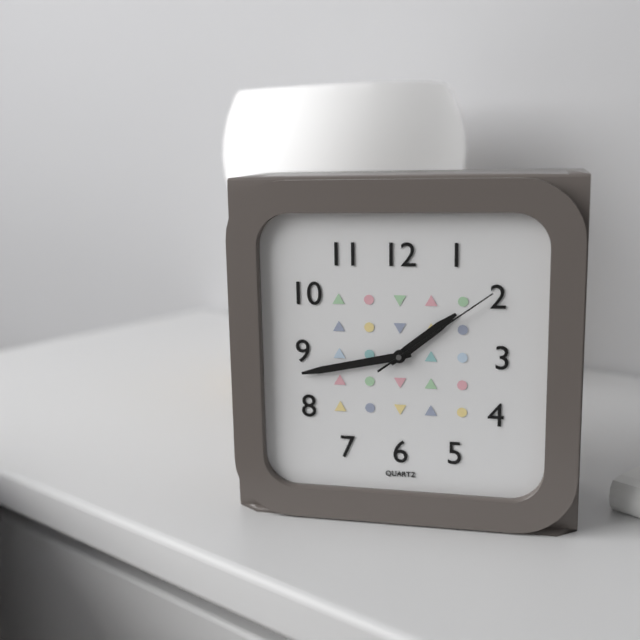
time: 1:43:09
